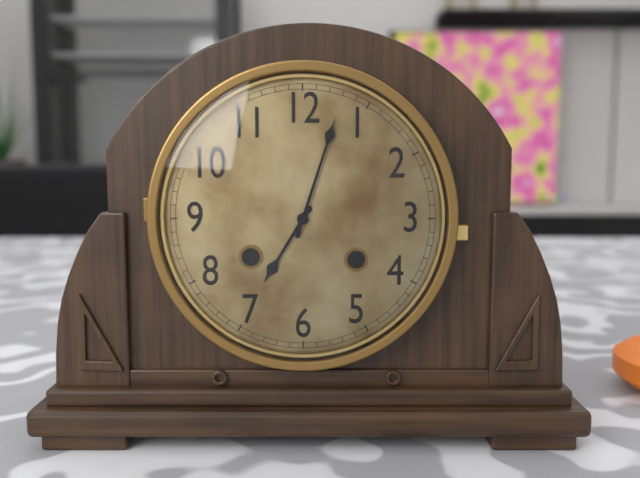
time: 7:03
